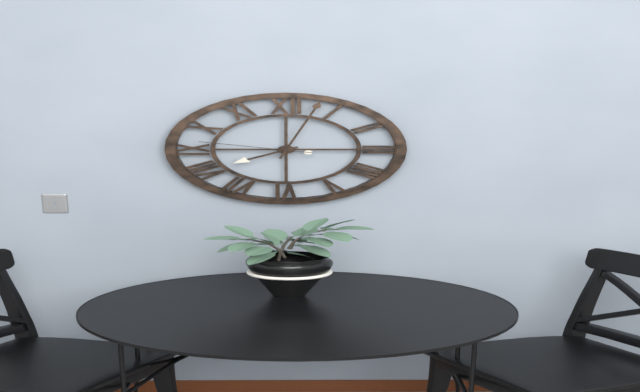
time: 8:03:47
